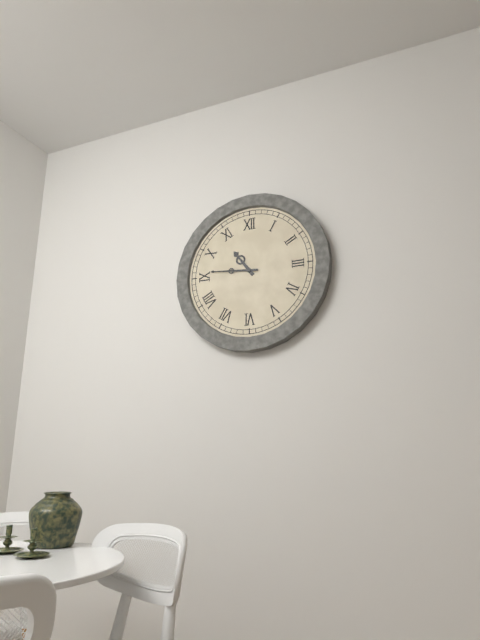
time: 10:46
